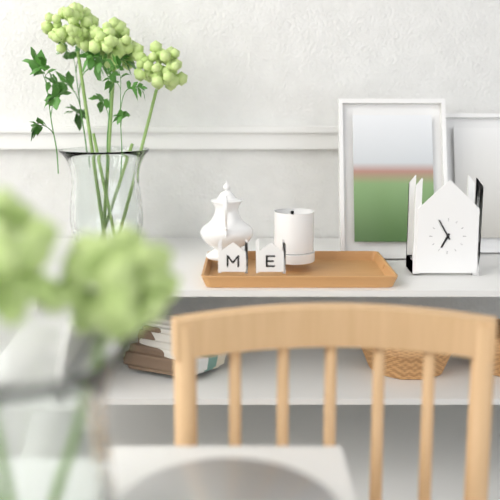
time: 6:55
